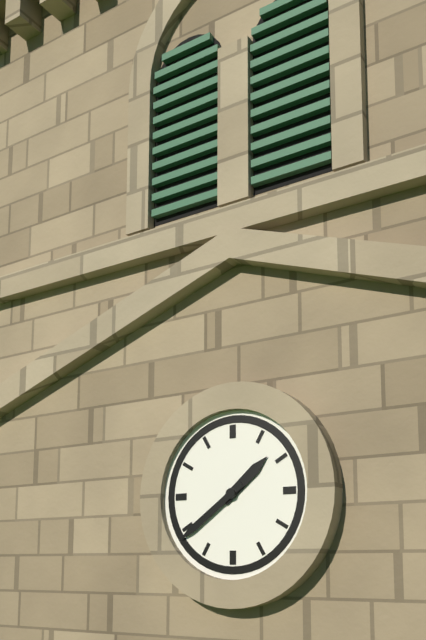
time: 1:39
